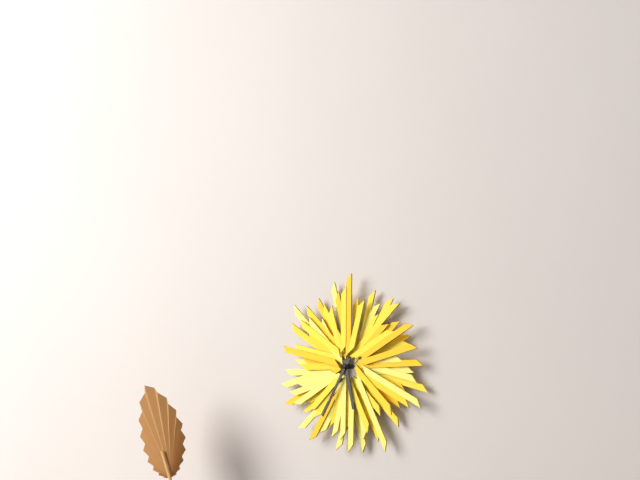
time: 5:35
